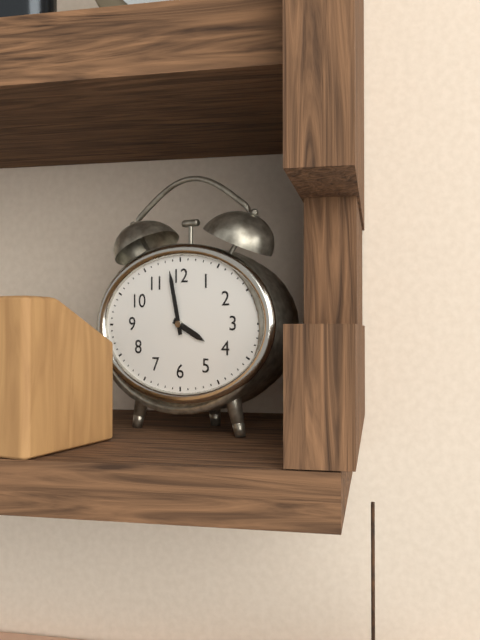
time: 3:58
